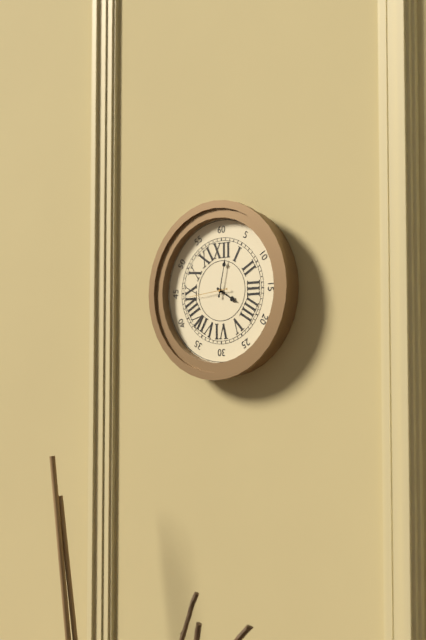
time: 4:02
